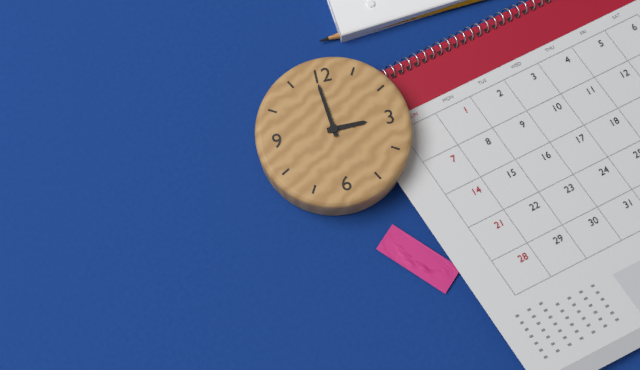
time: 2:59
